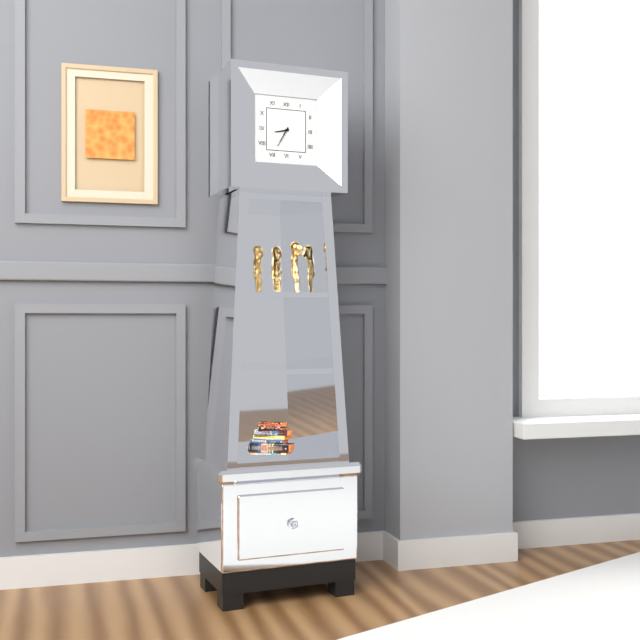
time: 8:35
